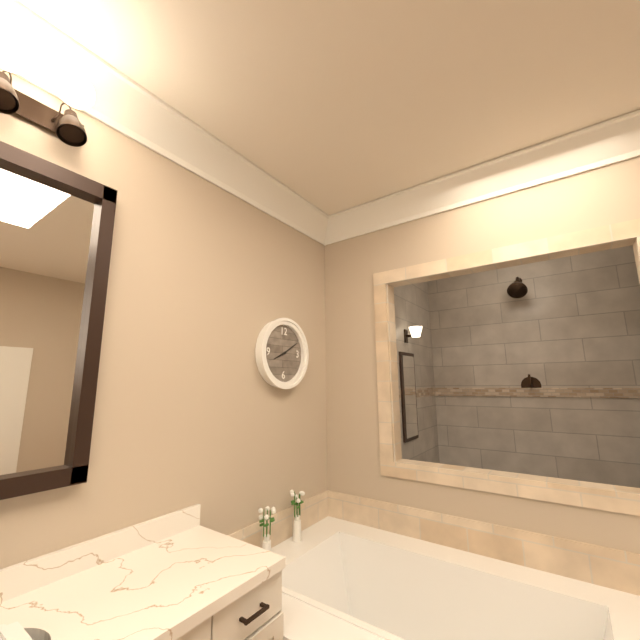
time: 8:10
